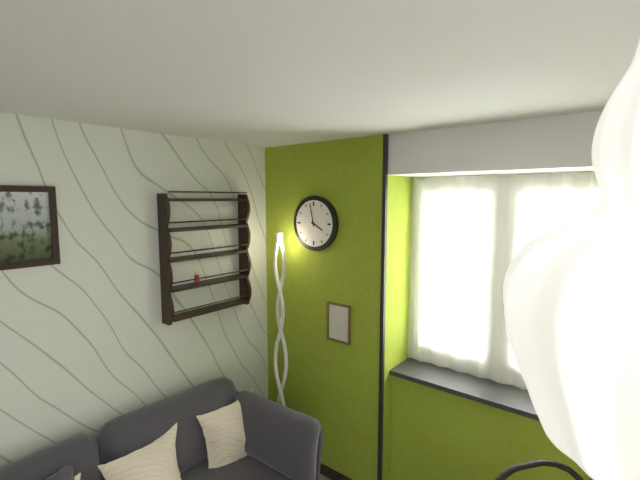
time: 3:58
